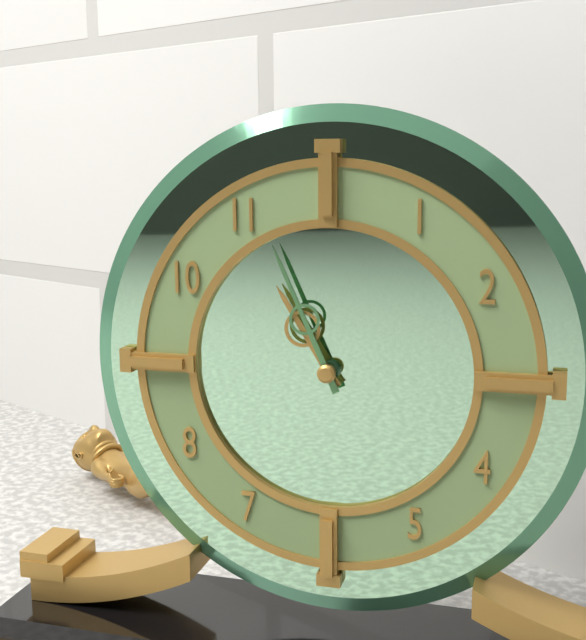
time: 10:56
